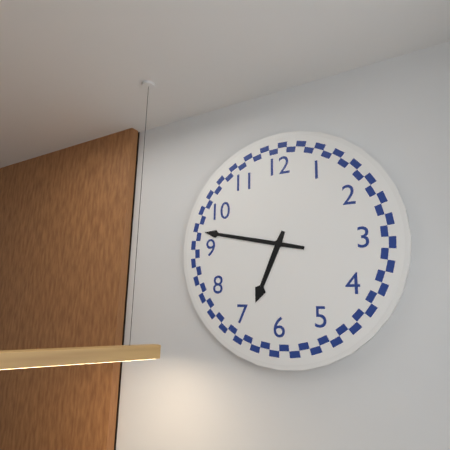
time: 6:47
